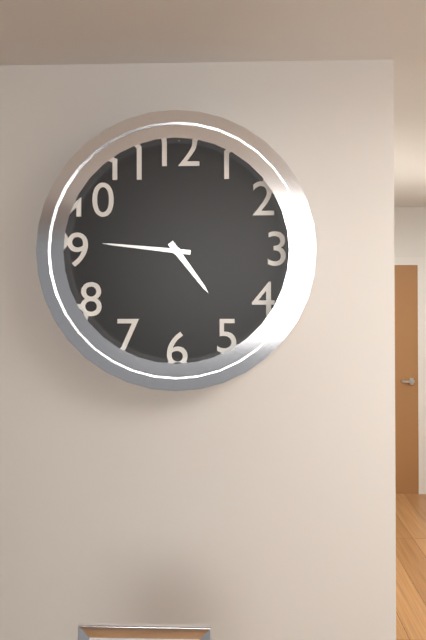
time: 4:46
